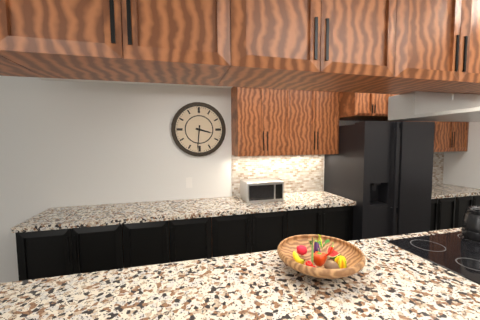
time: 3:31
